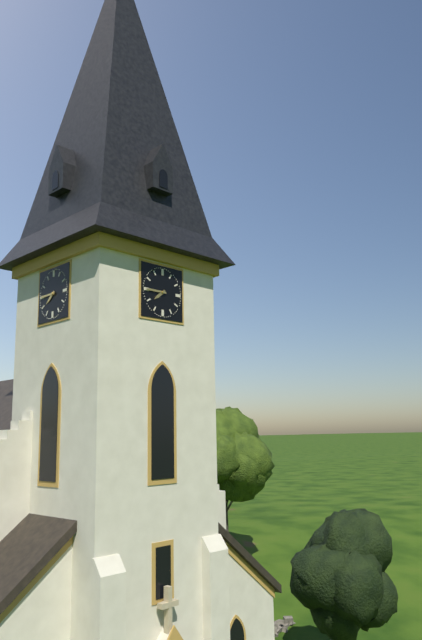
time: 7:45
